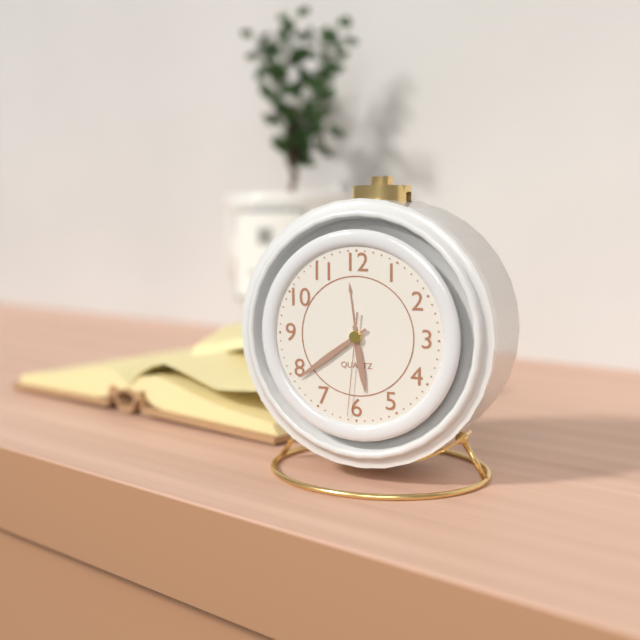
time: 5:39:31
